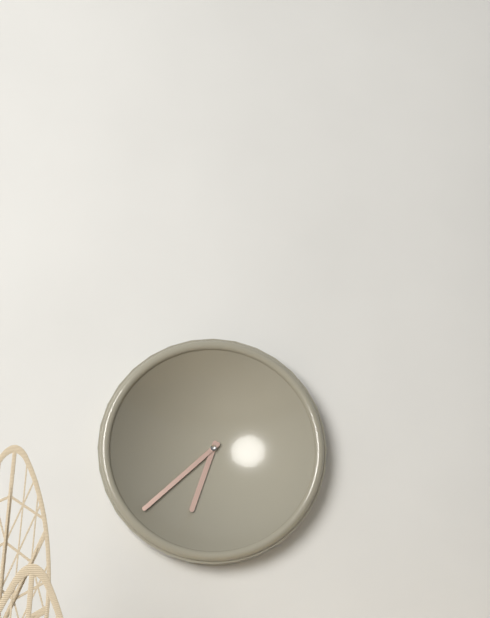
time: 6:38
